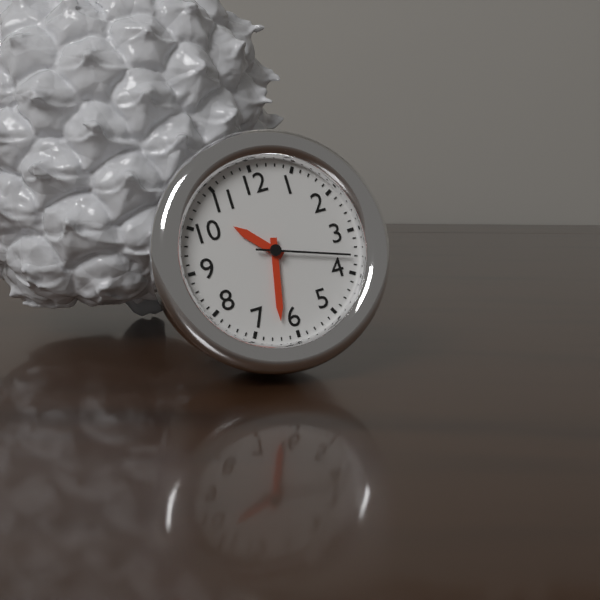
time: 10:32:18
